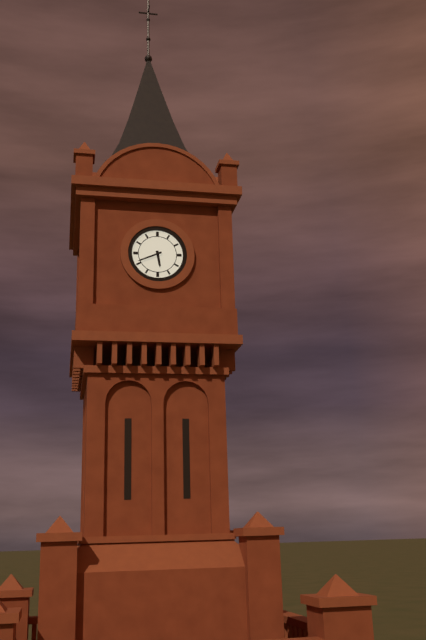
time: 5:41
